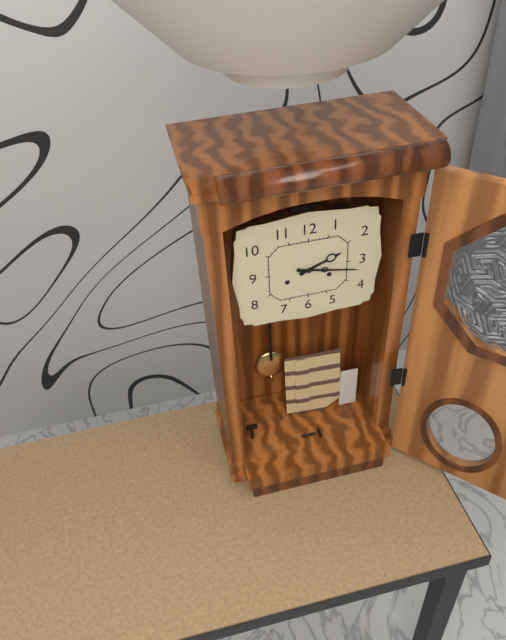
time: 2:17
